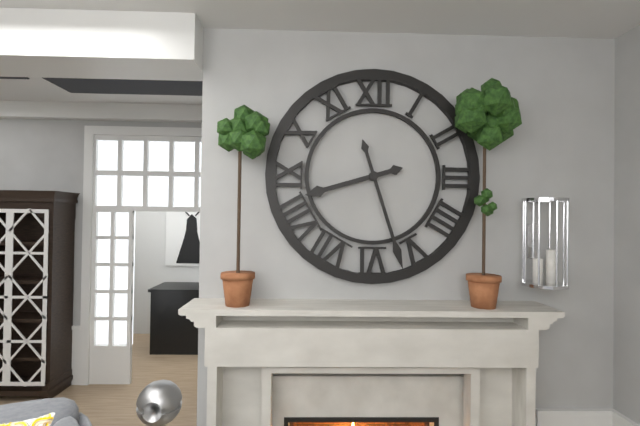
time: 8:27
